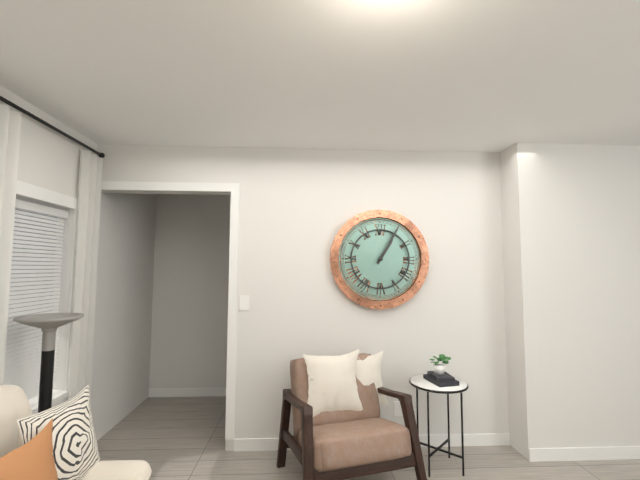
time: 1:05
